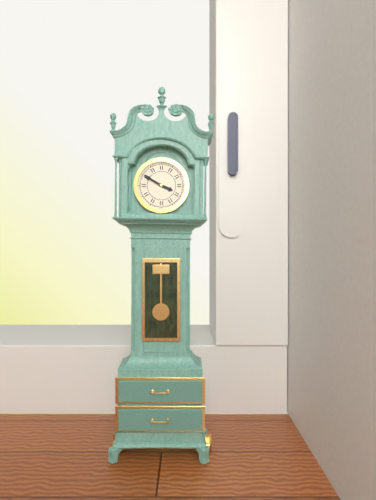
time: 3:50
